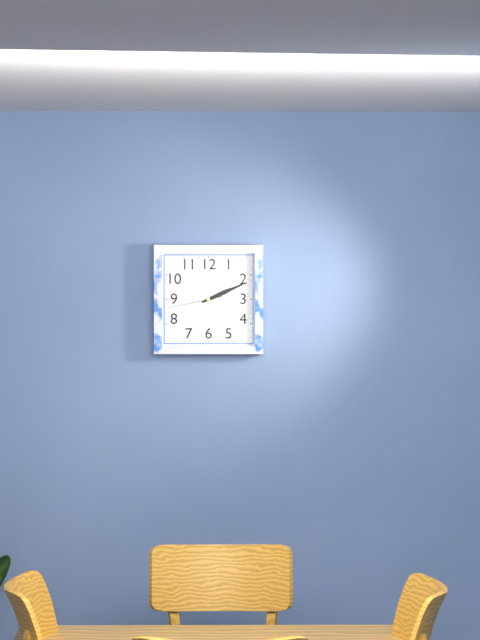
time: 2:11:43
